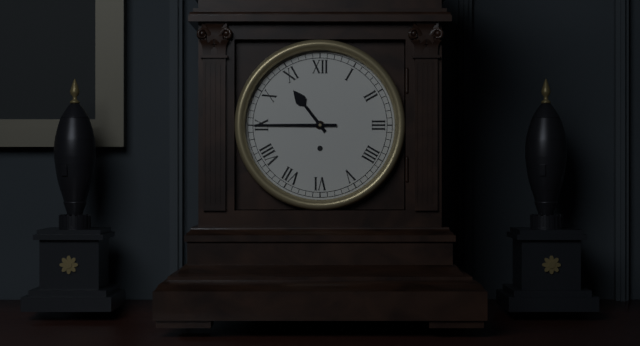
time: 10:45
